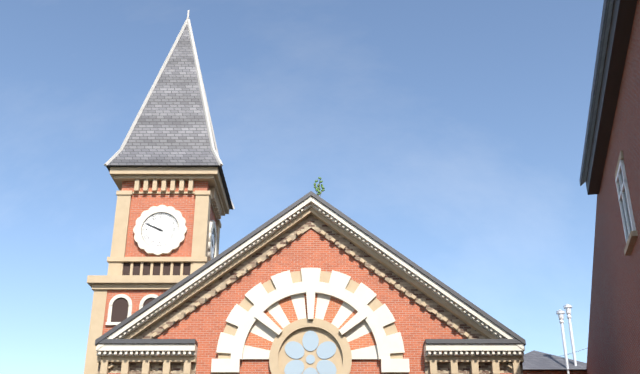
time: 9:49
